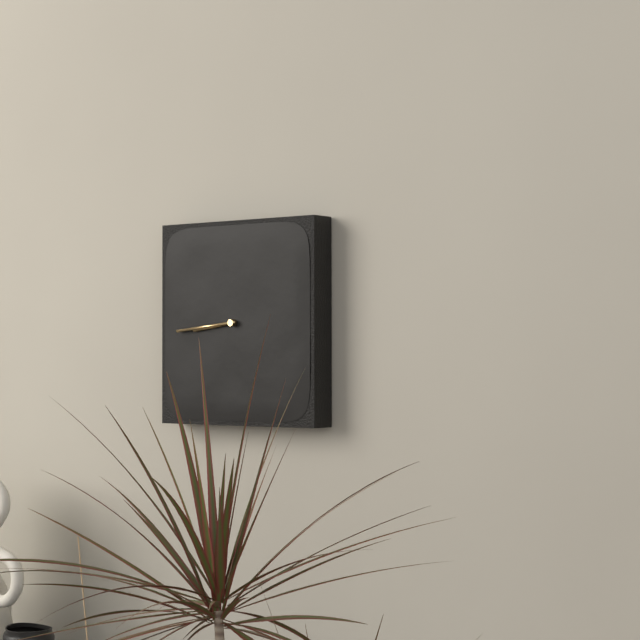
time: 8:44
